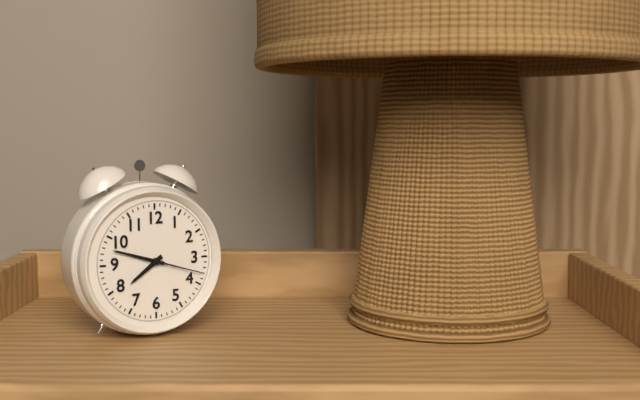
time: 7:48:18
